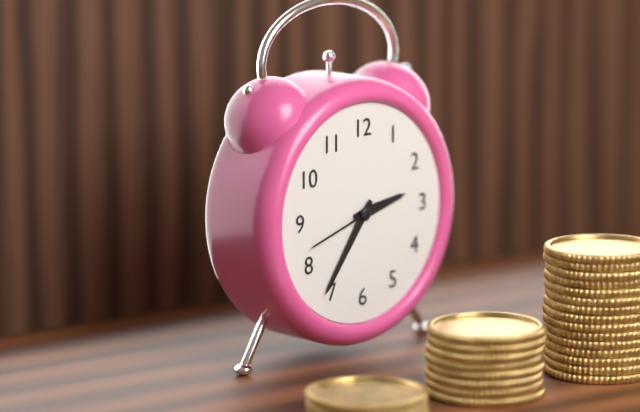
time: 2:36:42
